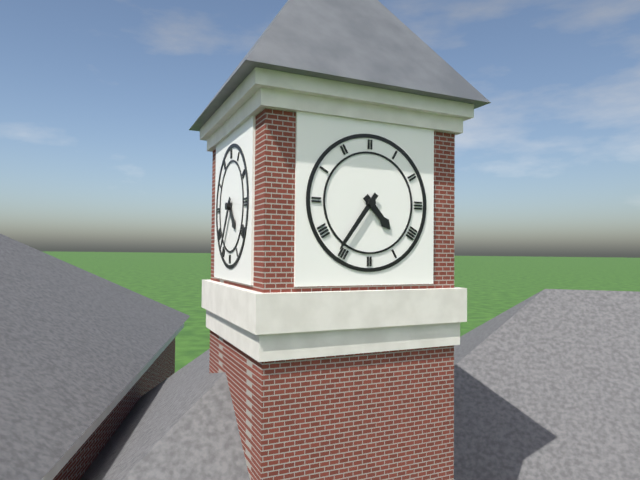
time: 4:36
